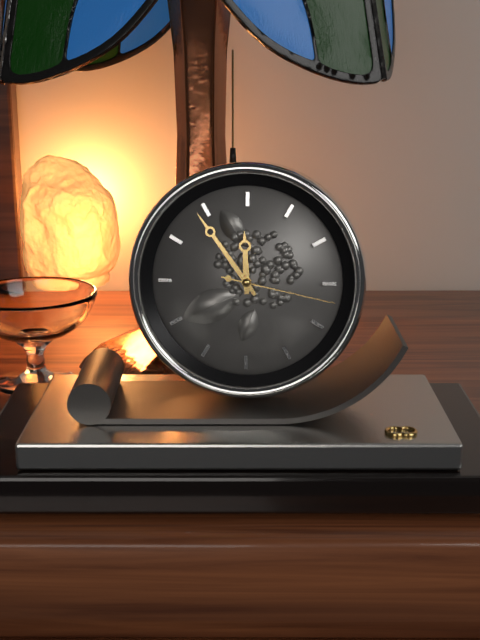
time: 11:54:17
